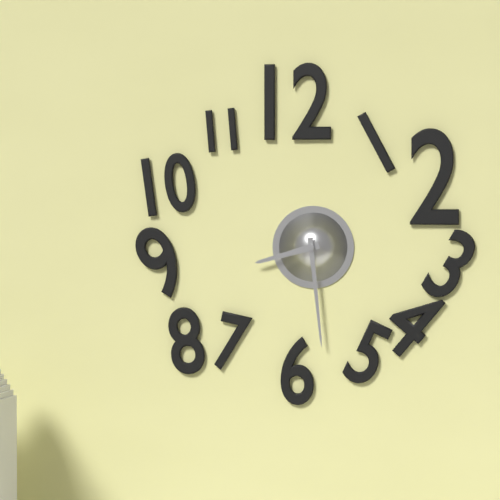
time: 8:29
